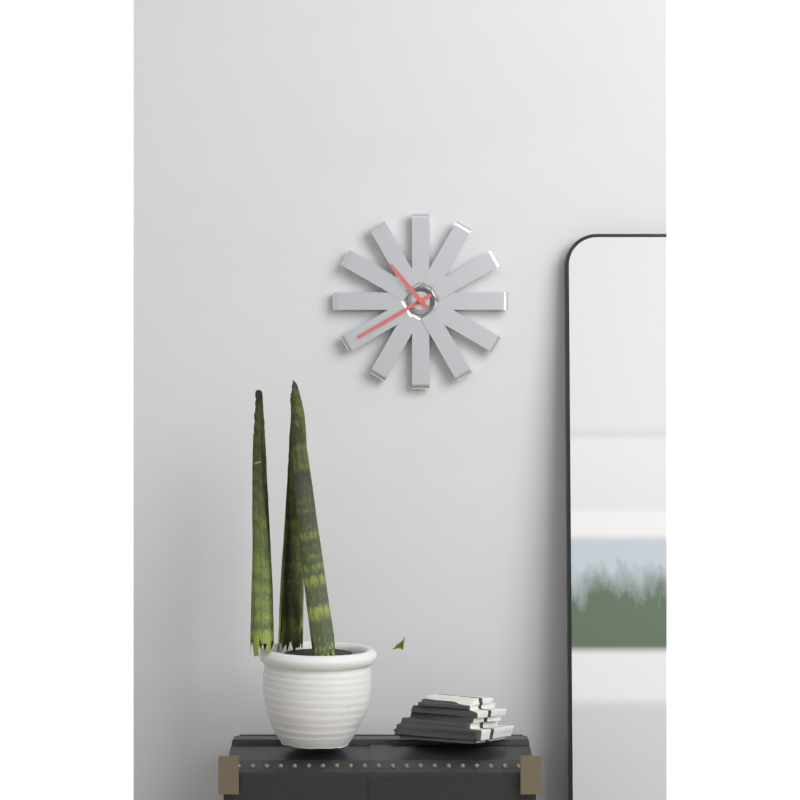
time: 10:40
